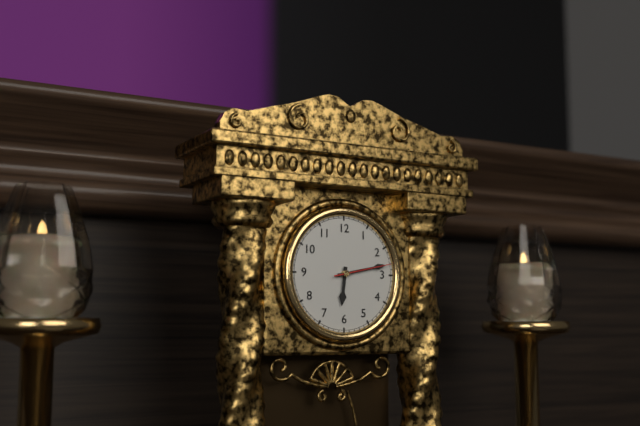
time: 6:13:13
